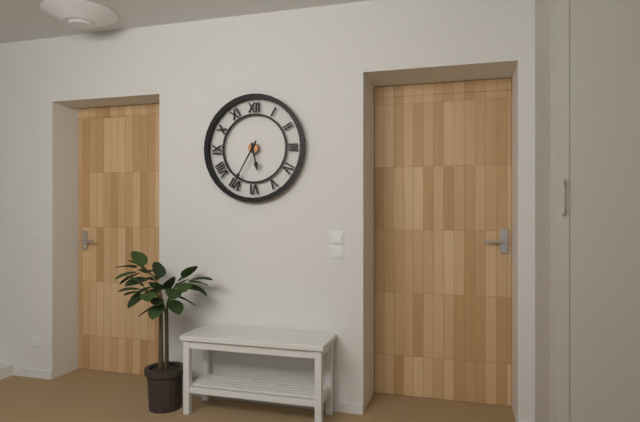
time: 5:35
